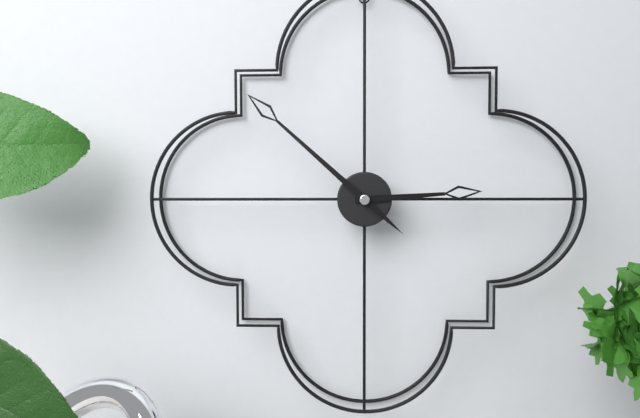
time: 2:52
